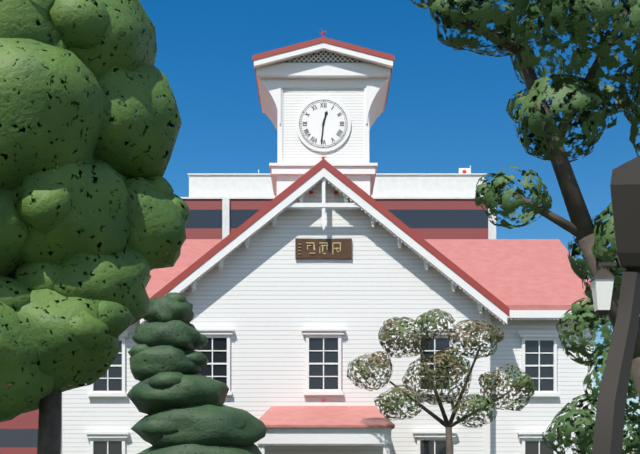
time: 12:31
